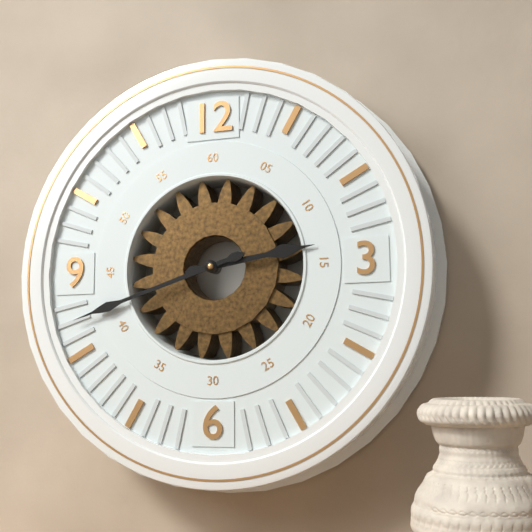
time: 2:42
